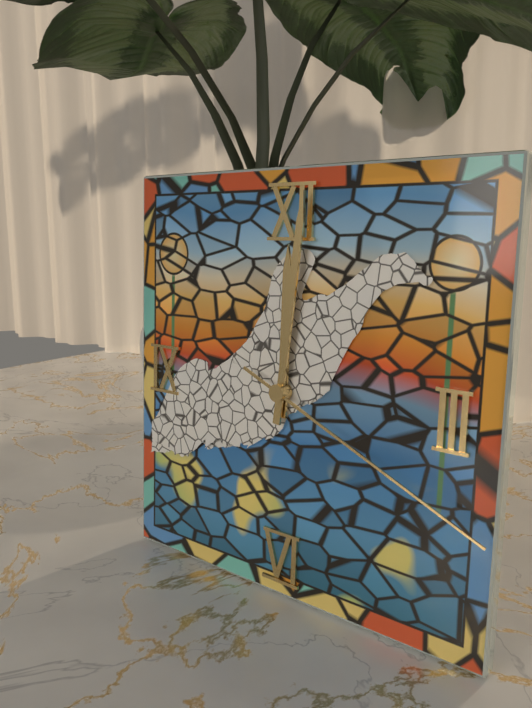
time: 12:01:19
